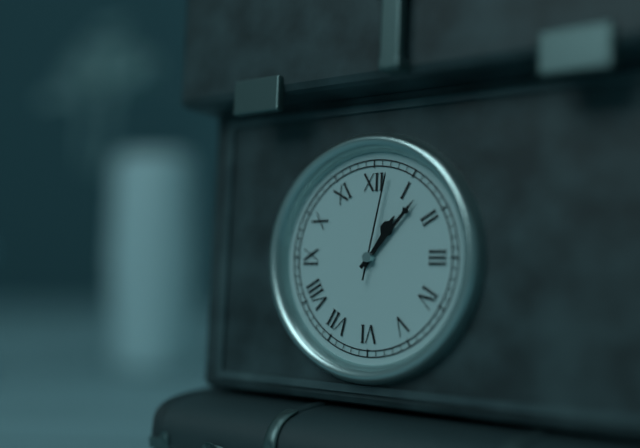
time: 1:07:02
